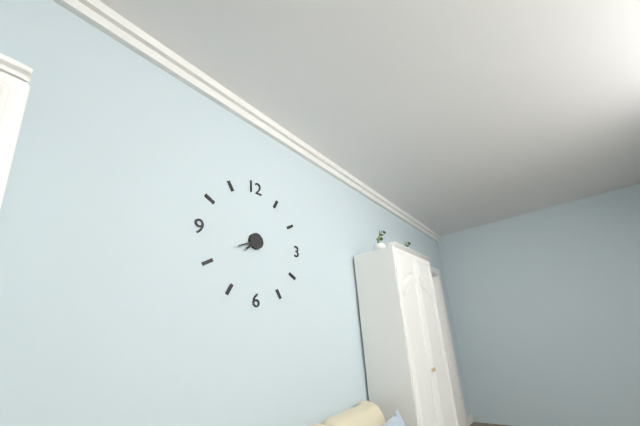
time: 7:41
